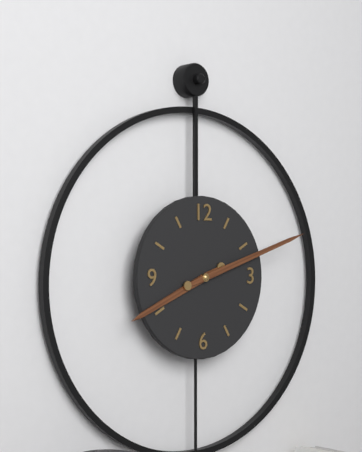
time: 8:12
